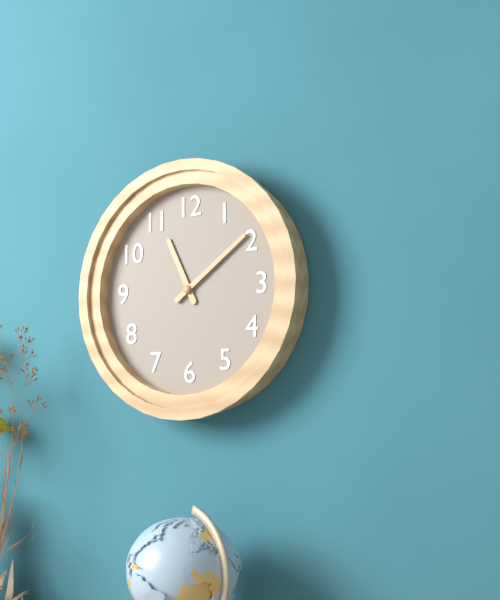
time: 11:09
